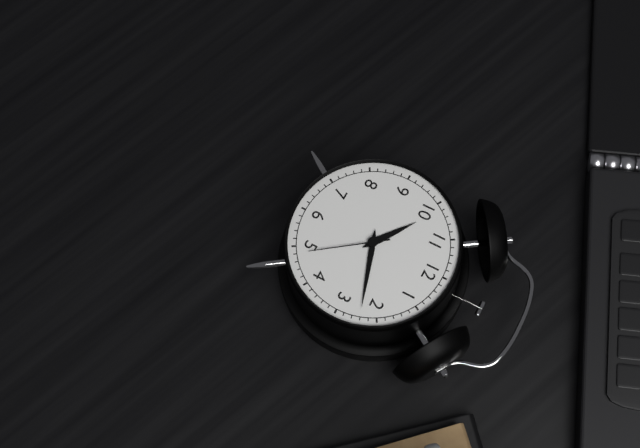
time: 10:12:24
